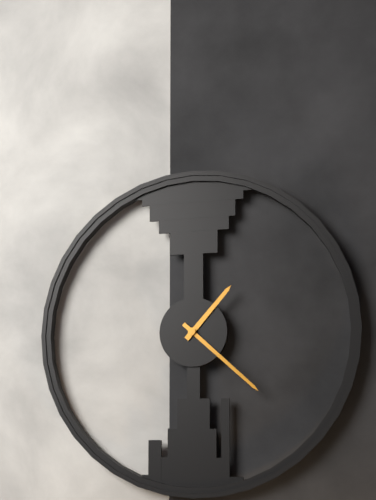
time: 1:22
